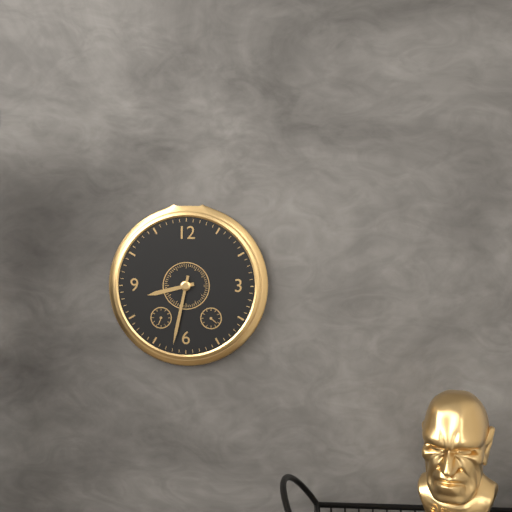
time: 8:32
